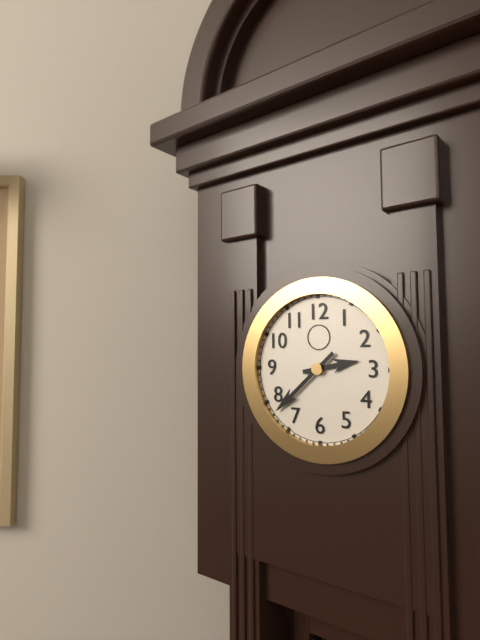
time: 2:38
